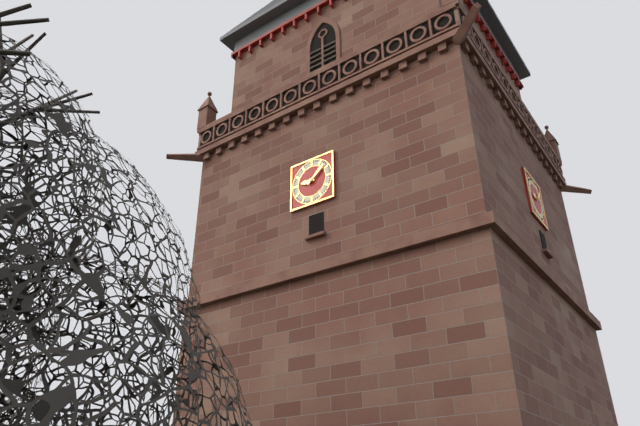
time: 9:08
